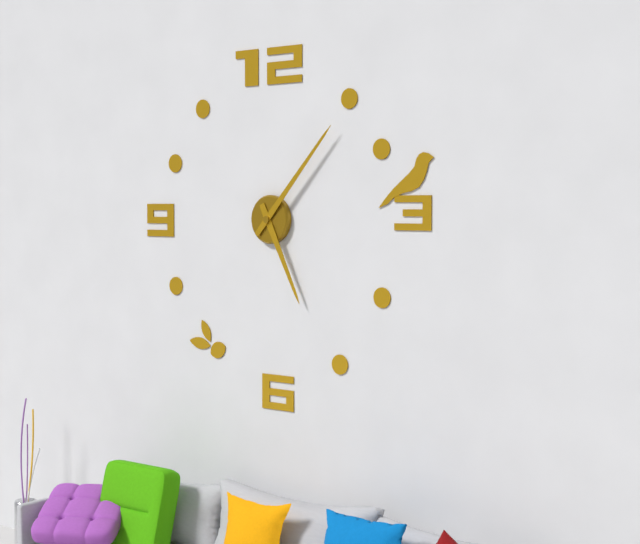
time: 5:07
